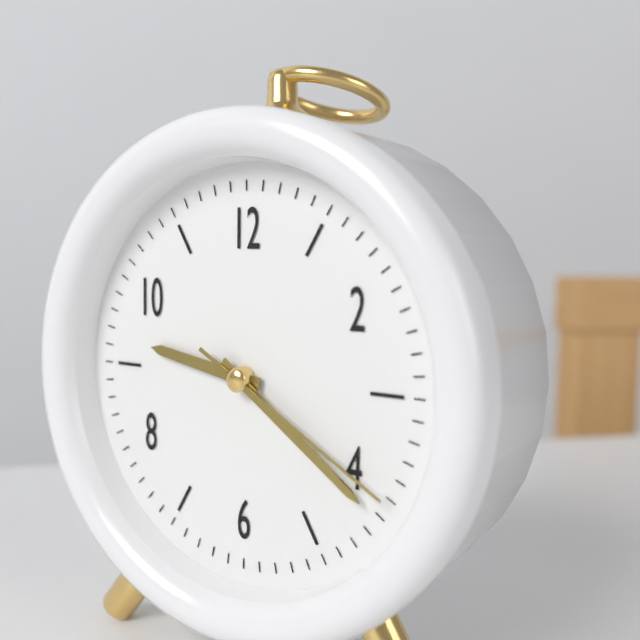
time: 9:21:20
